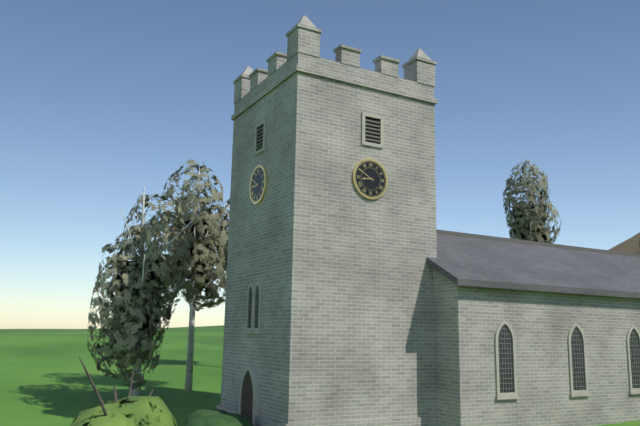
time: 8:50
